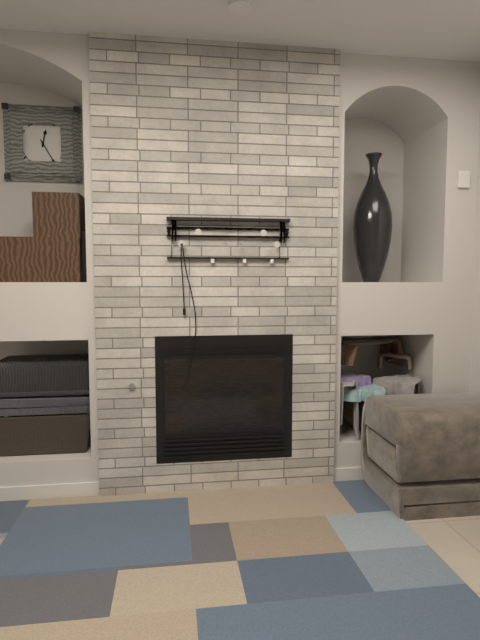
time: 12:25
